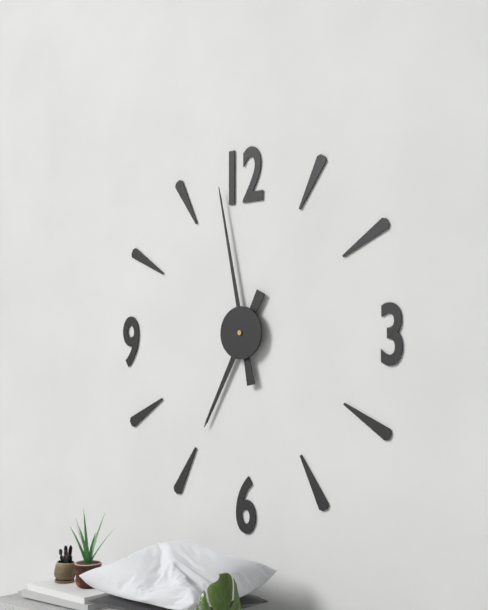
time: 6:58
